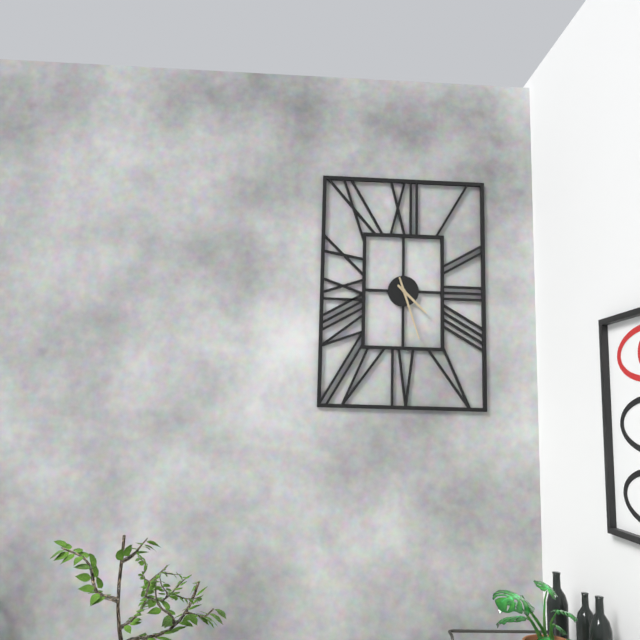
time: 4:27
